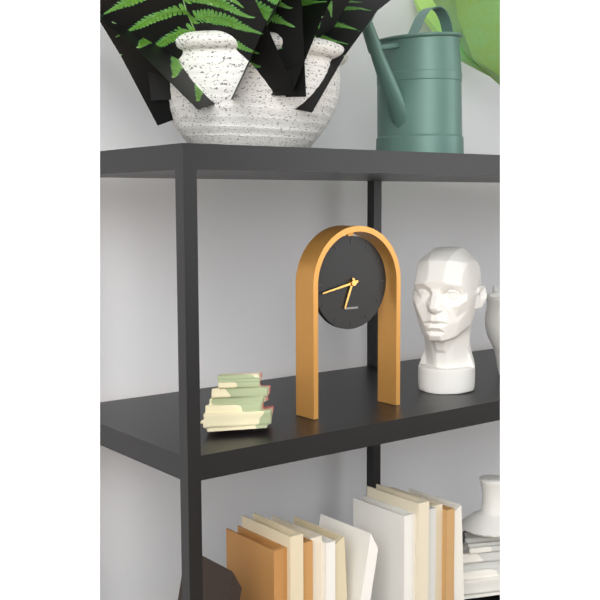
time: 6:43
